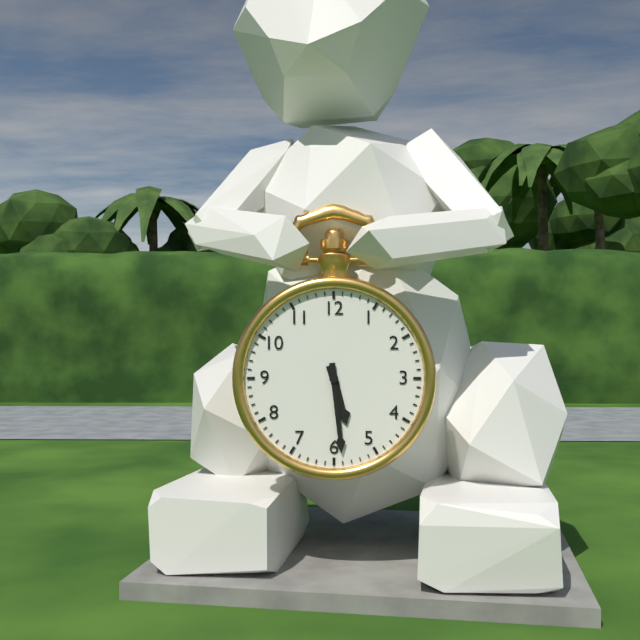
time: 5:29
